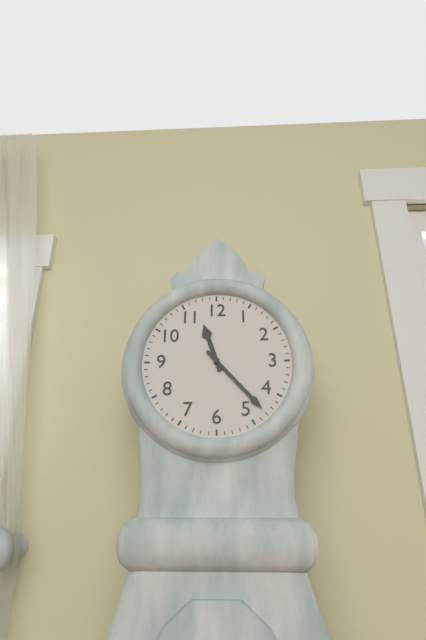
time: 11:23
